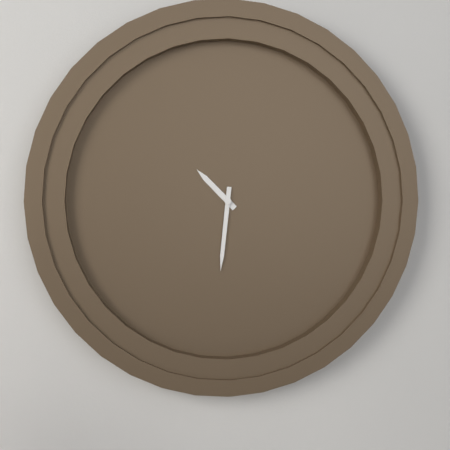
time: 10:31
